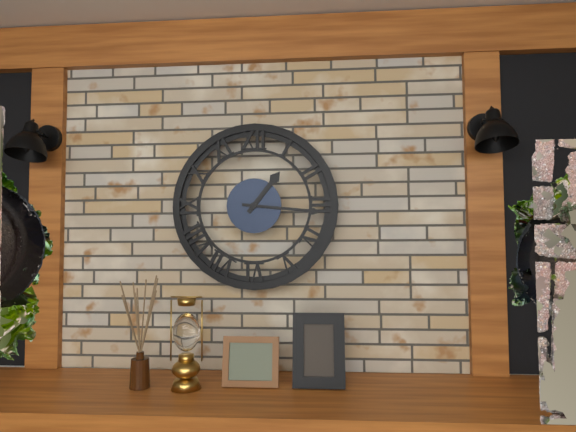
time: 1:16
